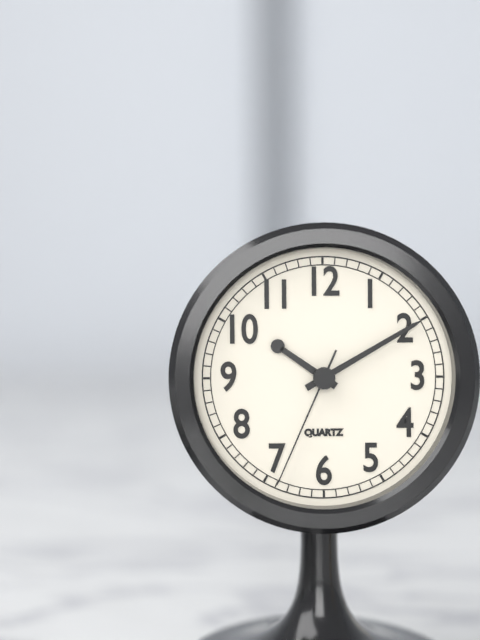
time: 10:10:34
